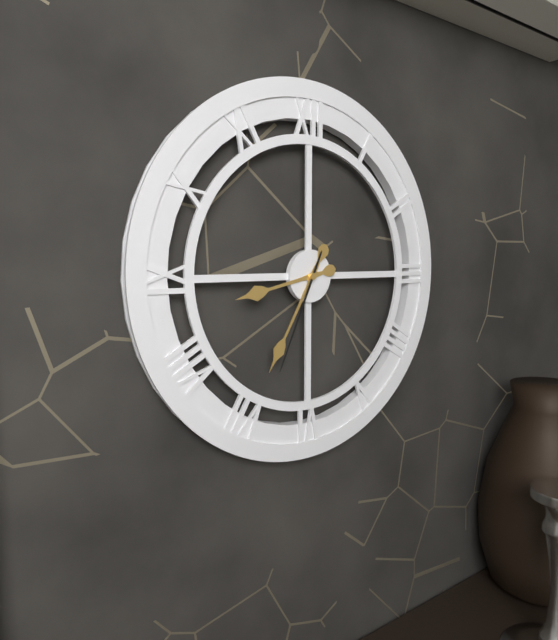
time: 8:35:34
